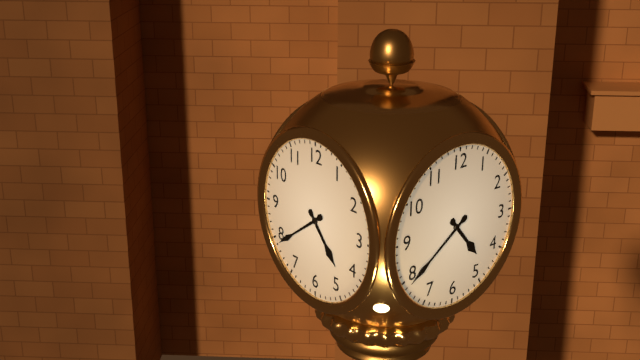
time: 4:39
